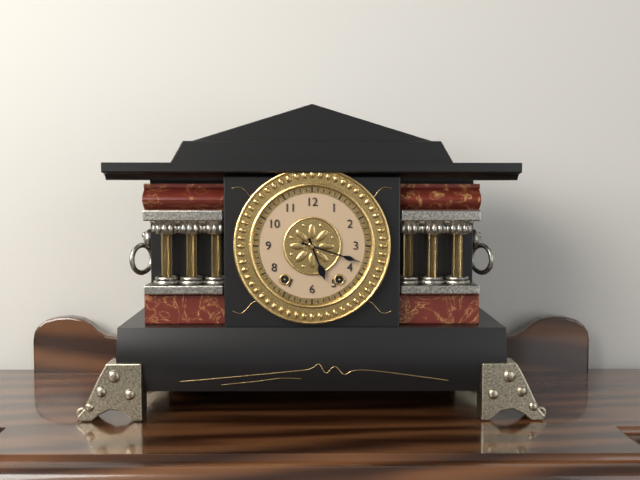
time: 5:18
